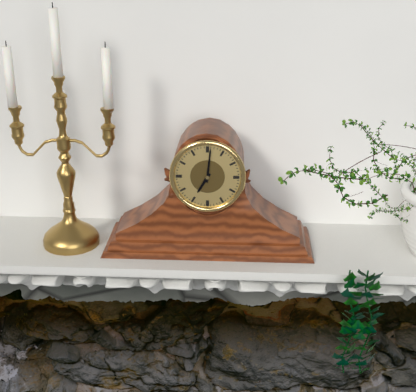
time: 7:01
